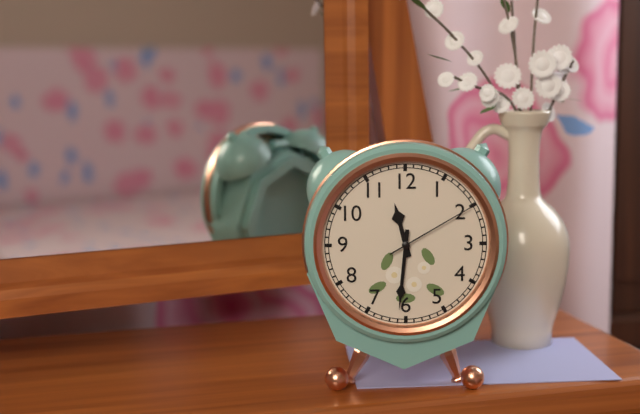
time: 11:31:10
